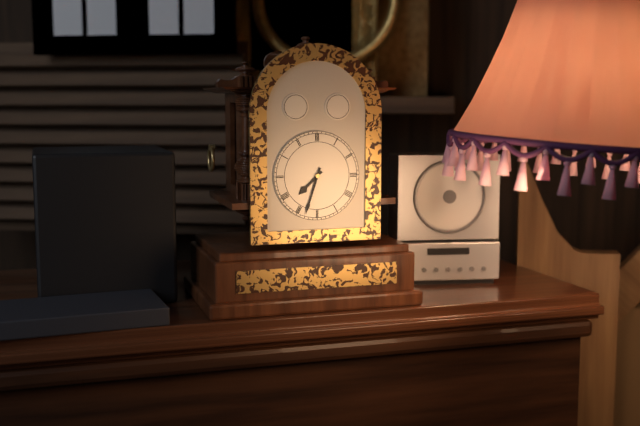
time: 7:33
